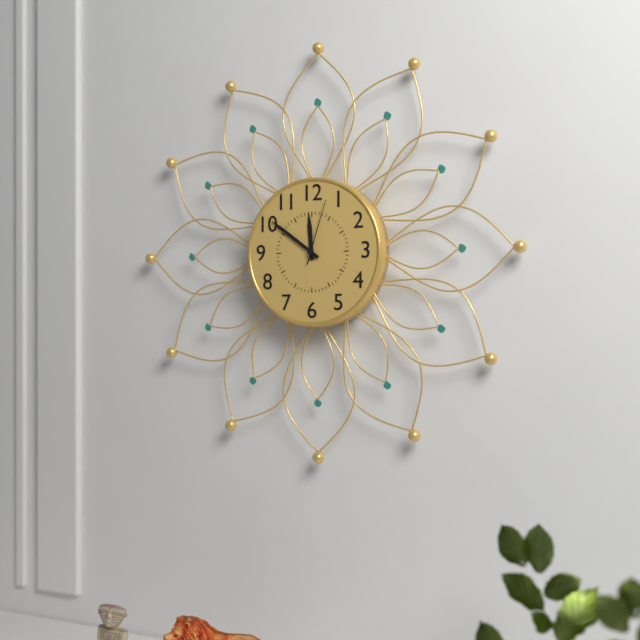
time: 11:51:03
